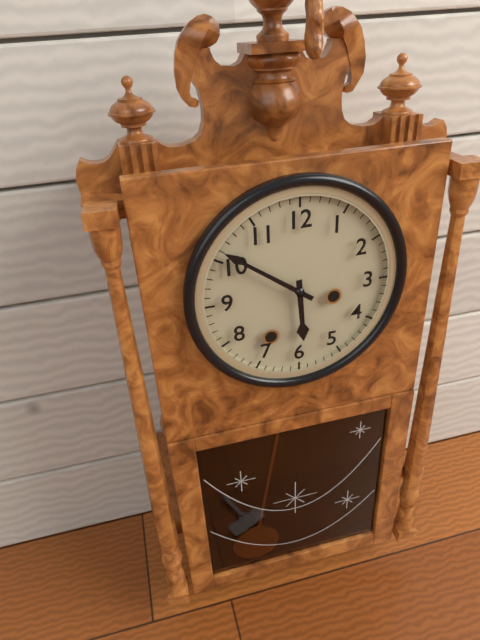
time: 5:51
